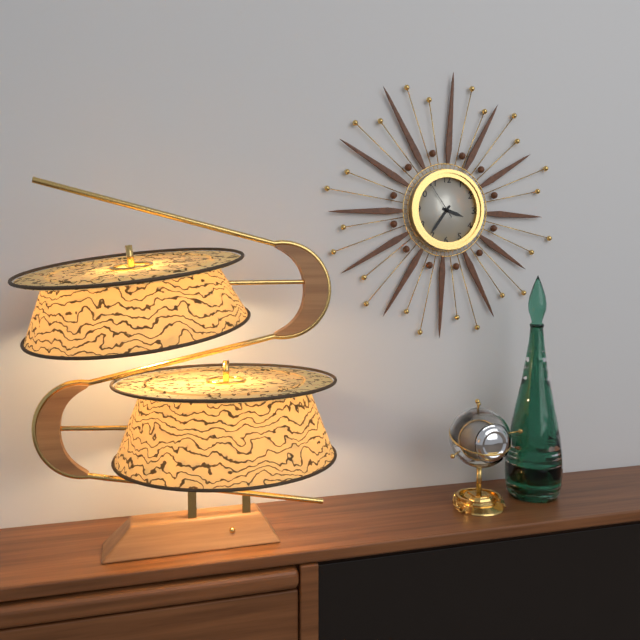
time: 3:36
